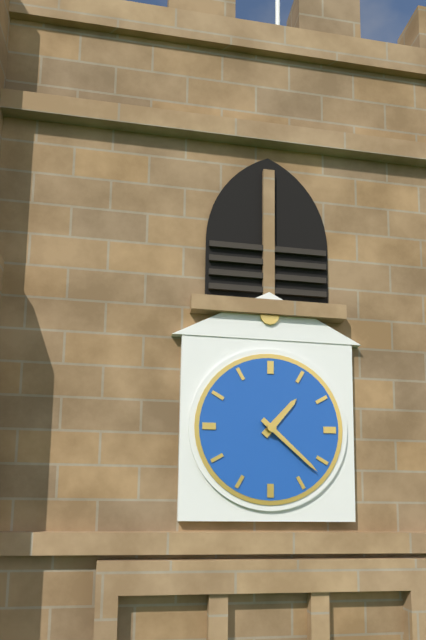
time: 1:22
